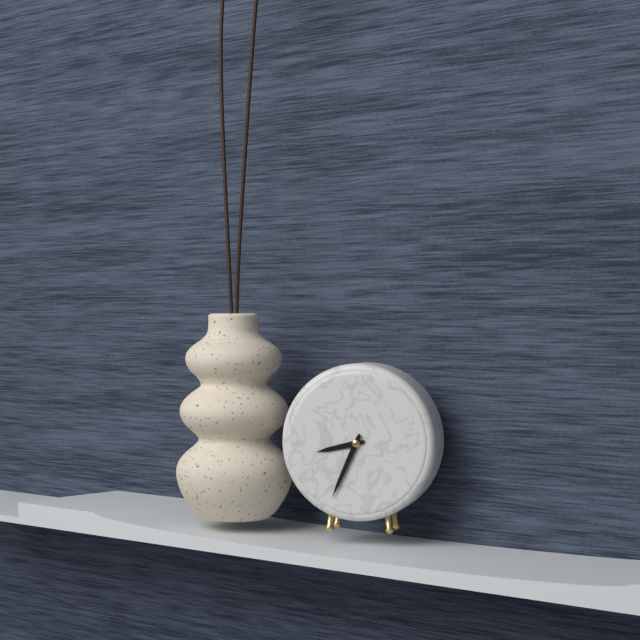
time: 8:34
